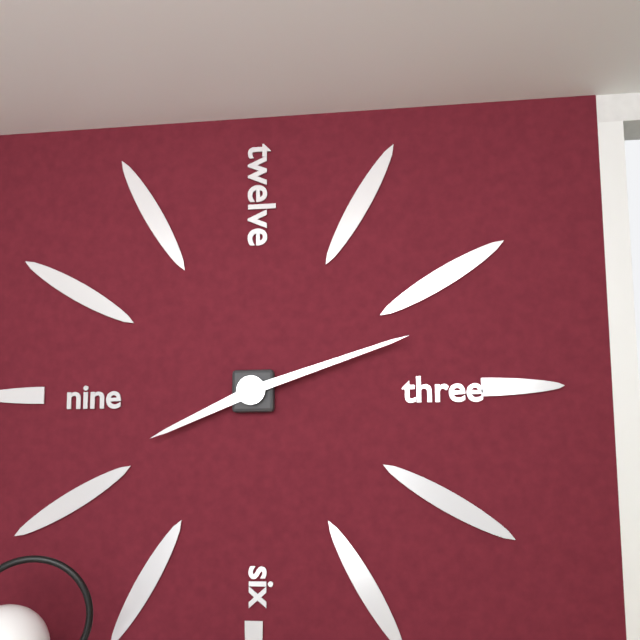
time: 8:12
